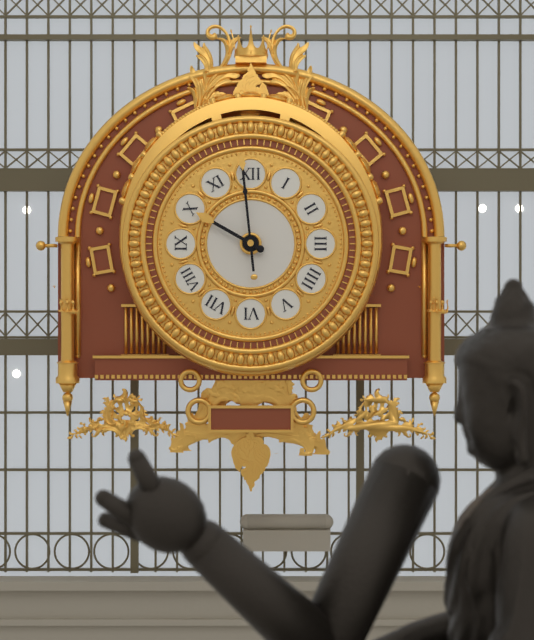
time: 9:59
